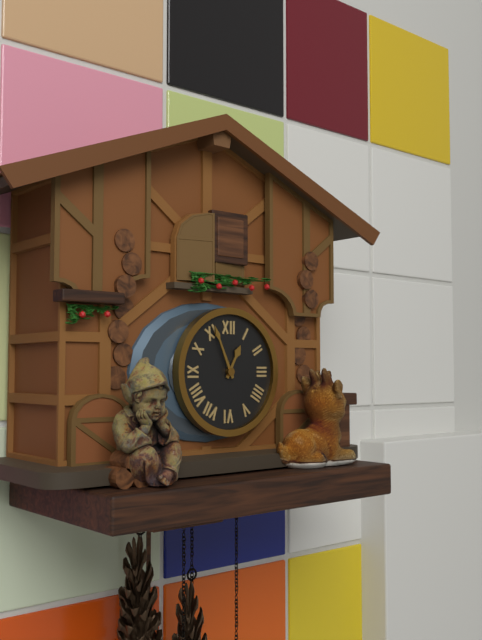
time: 12:56
